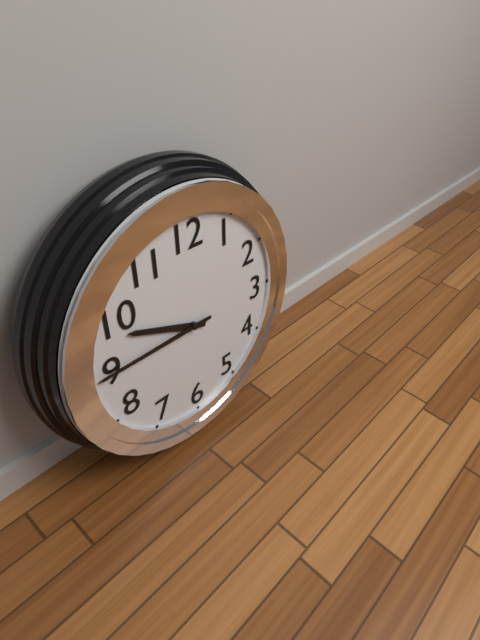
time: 9:45
